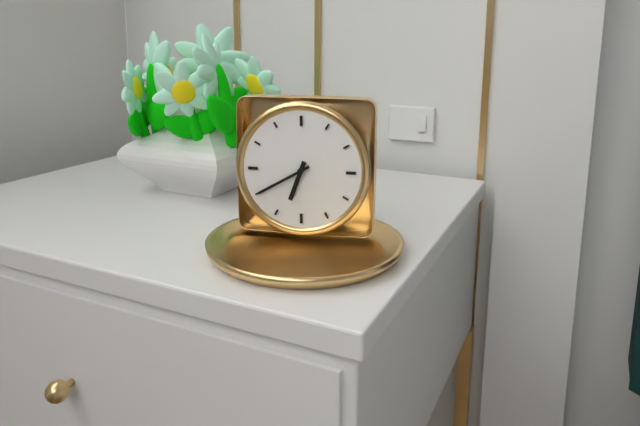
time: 6:40
